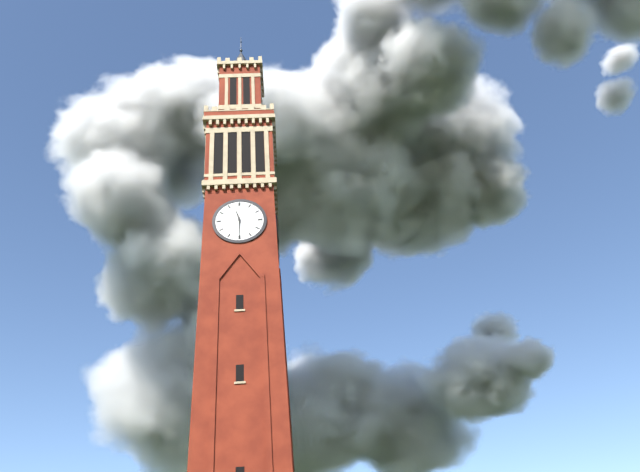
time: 11:30
